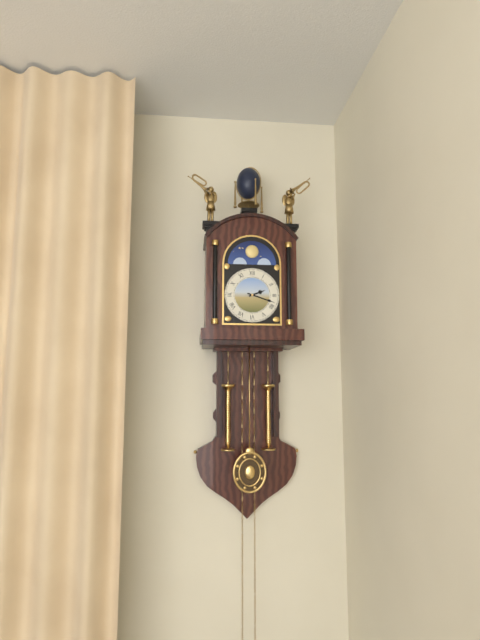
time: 2:18
